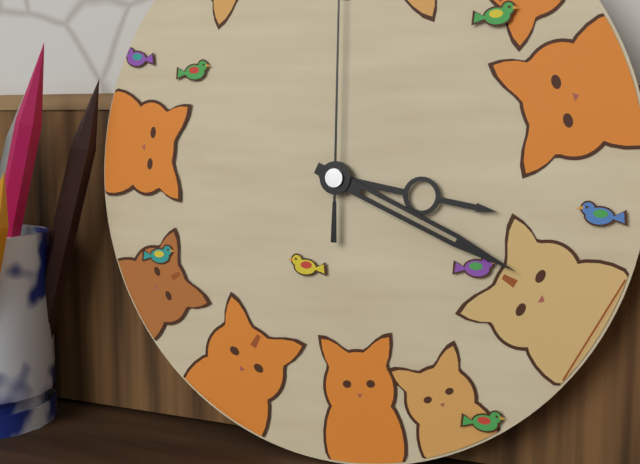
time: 3:19
